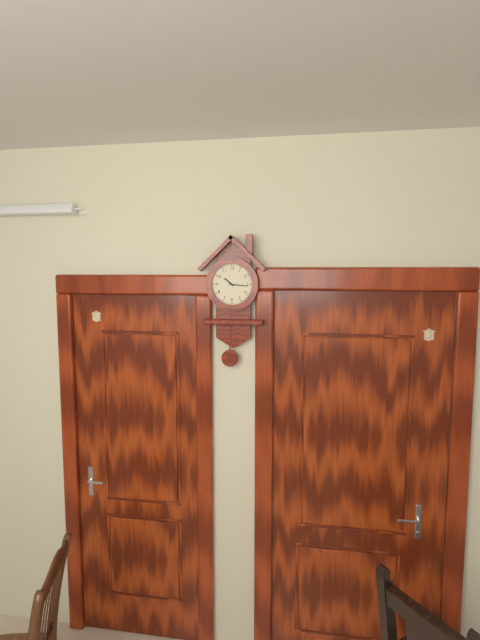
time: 10:16
